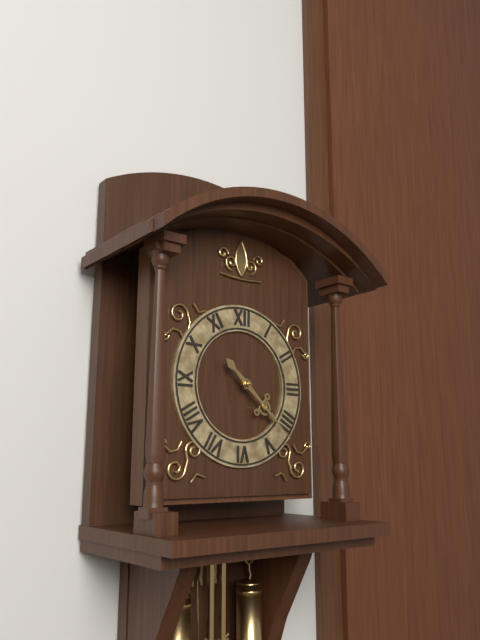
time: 4:22
